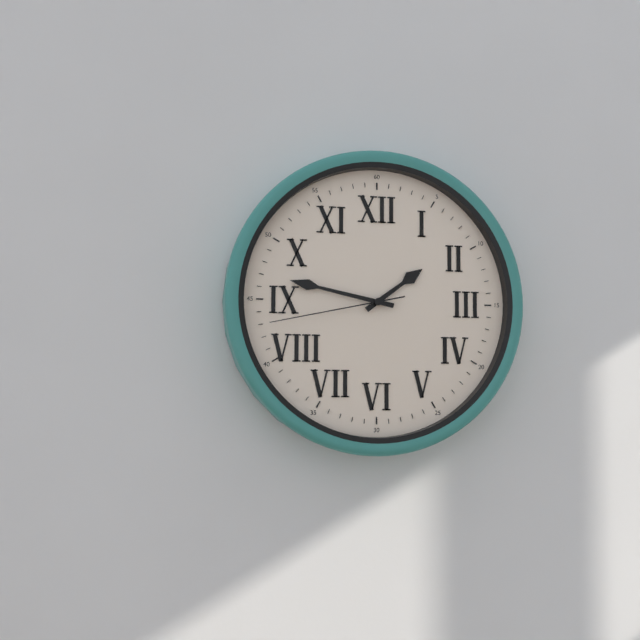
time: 1:47:43
